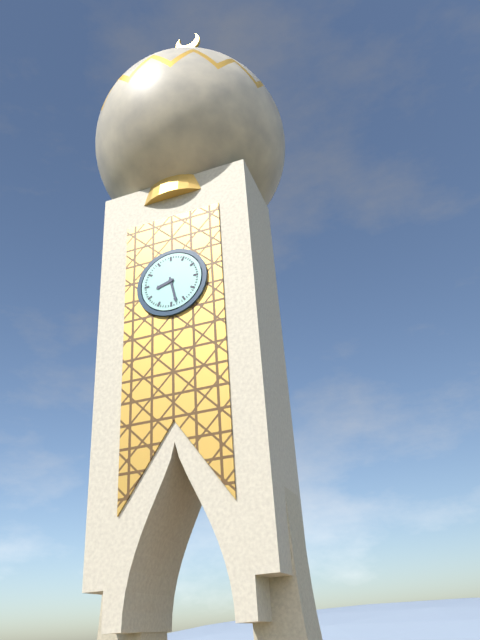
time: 8:28
